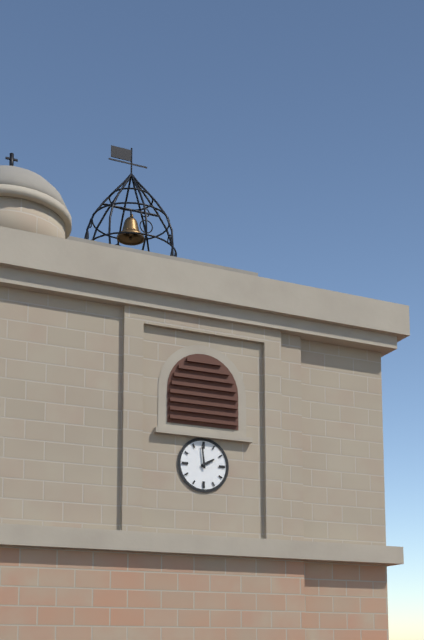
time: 1:59
